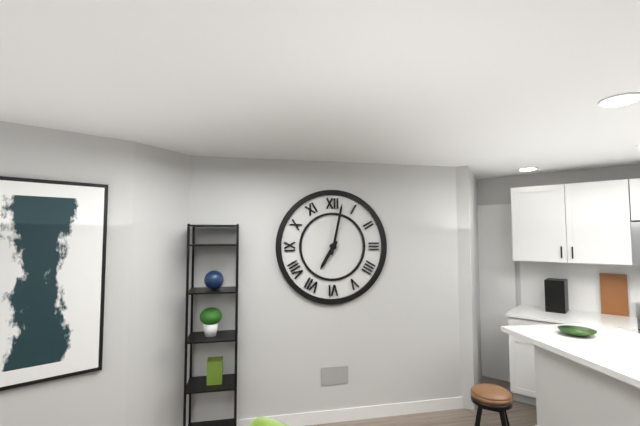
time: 7:02
